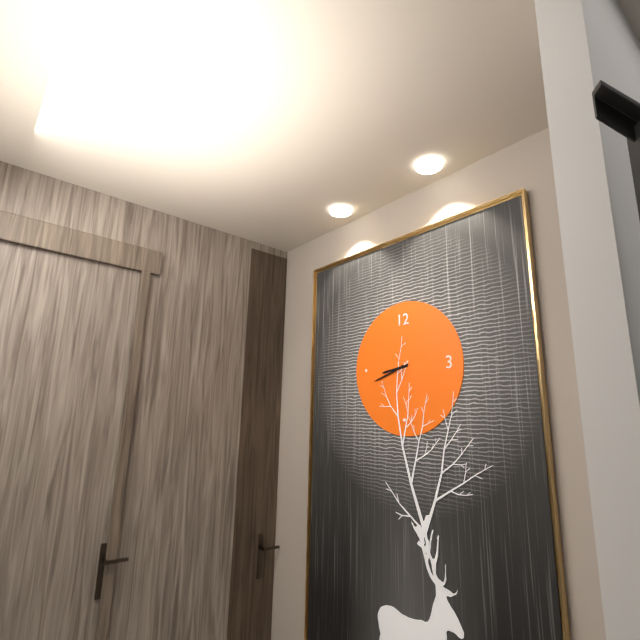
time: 8:42
